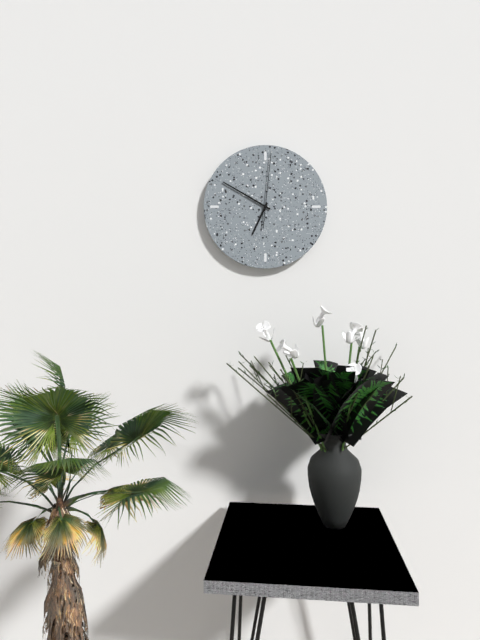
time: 6:50:01
